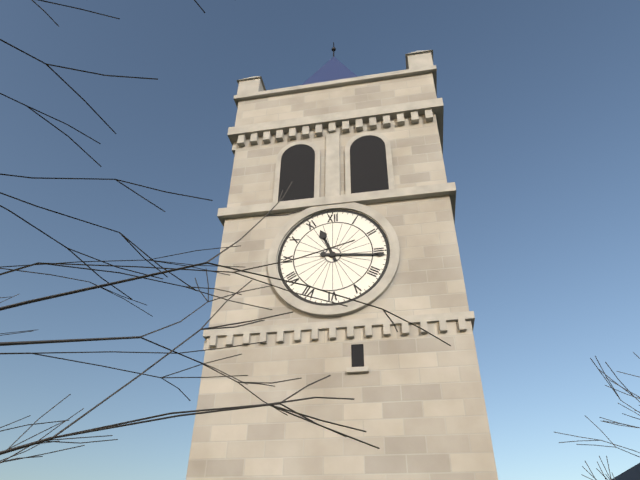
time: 11:16
